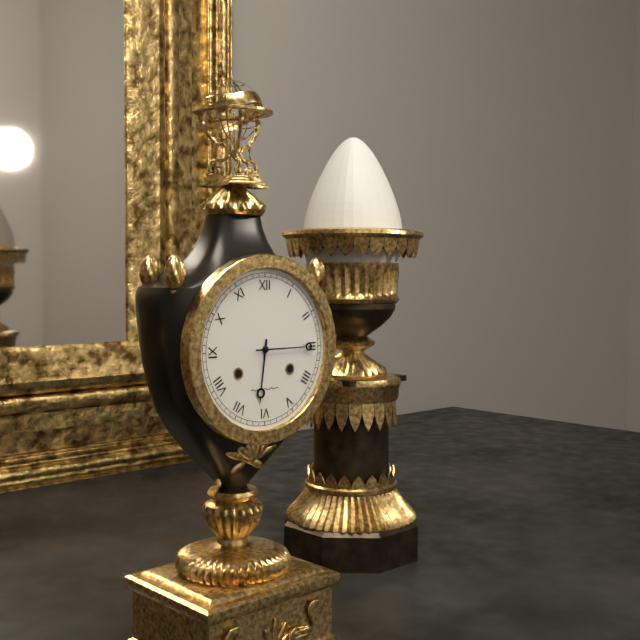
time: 6:15
